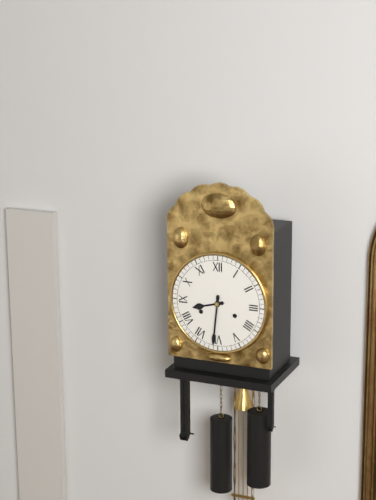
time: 8:31
